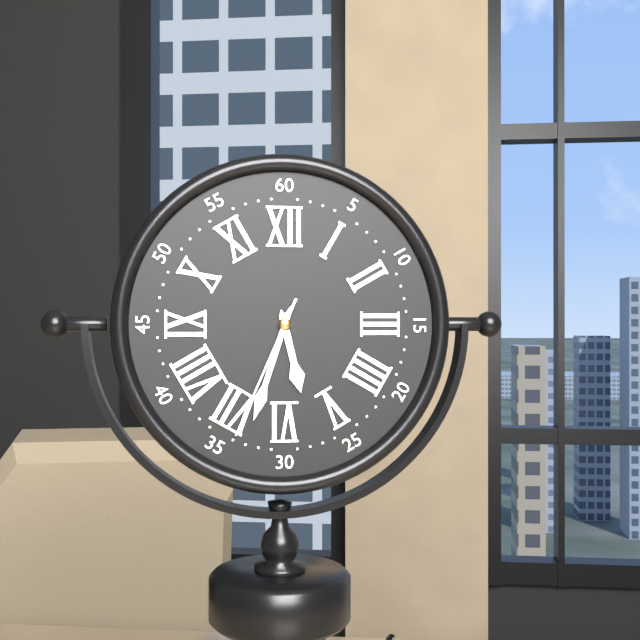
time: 5:33:34
